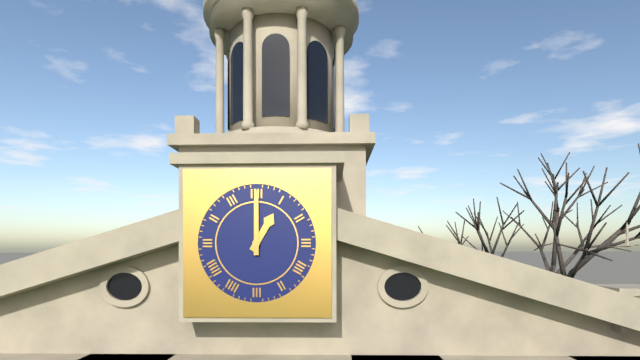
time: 1:00
